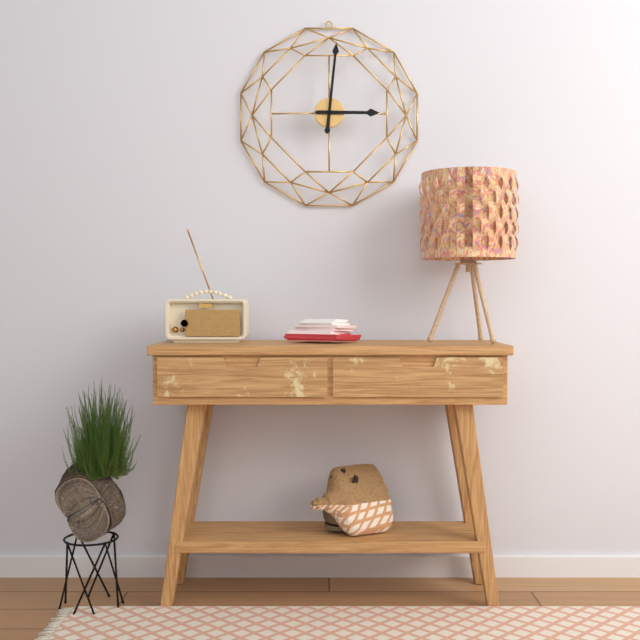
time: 3:01
